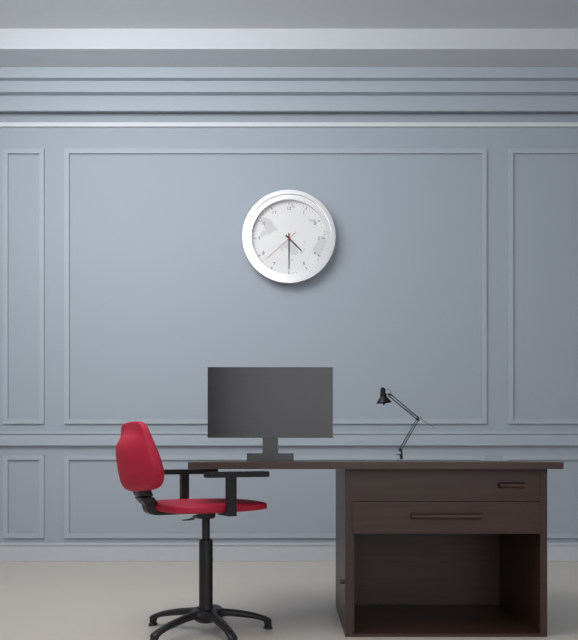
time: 4:30
